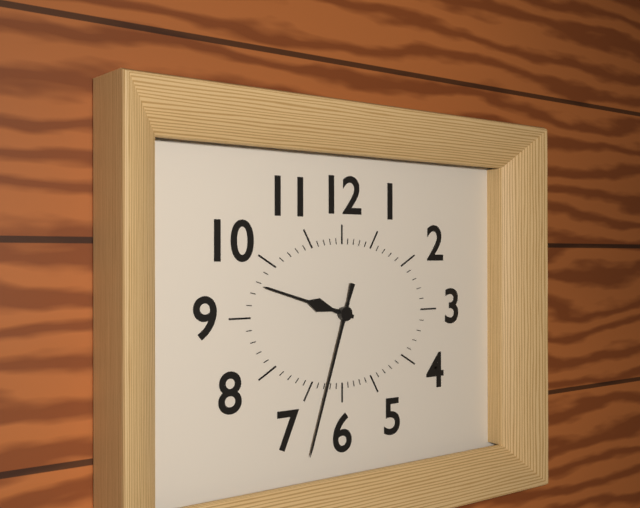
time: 9:33
